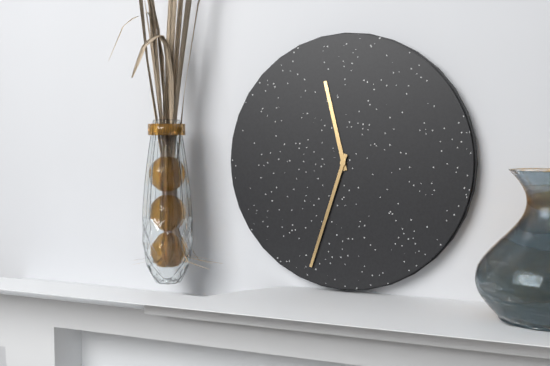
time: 11:33
